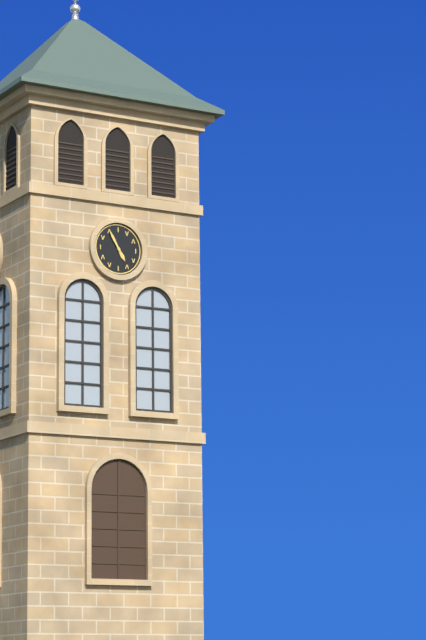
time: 4:55
